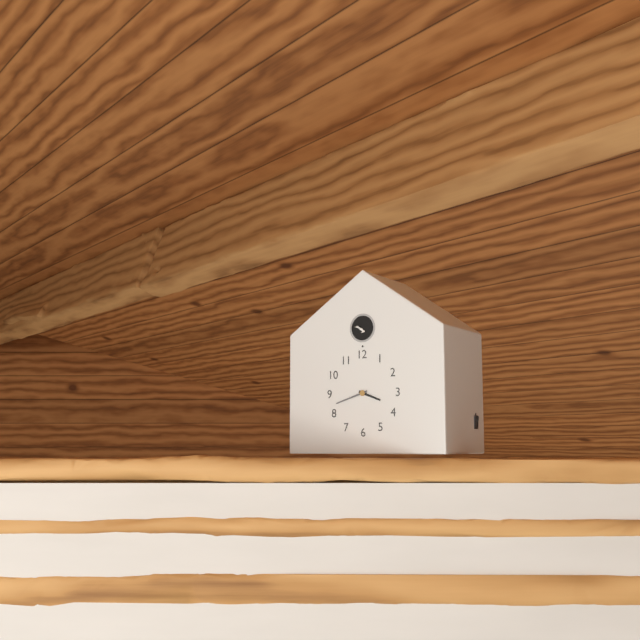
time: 3:42
